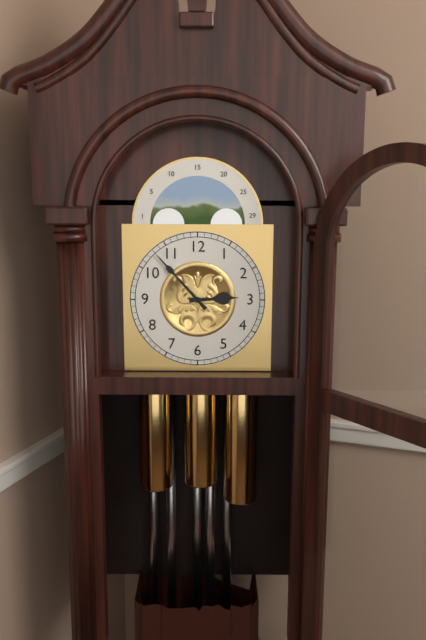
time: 2:53
